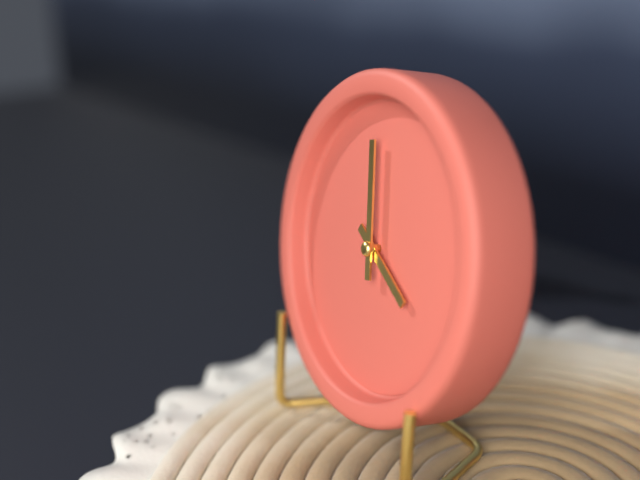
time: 3:58
